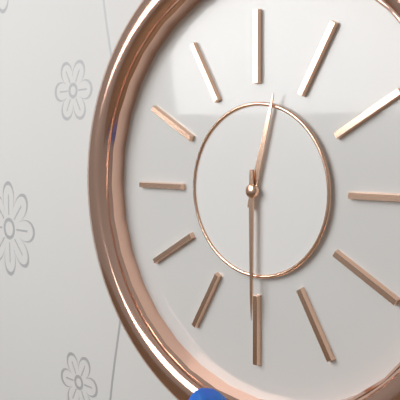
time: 12:30
